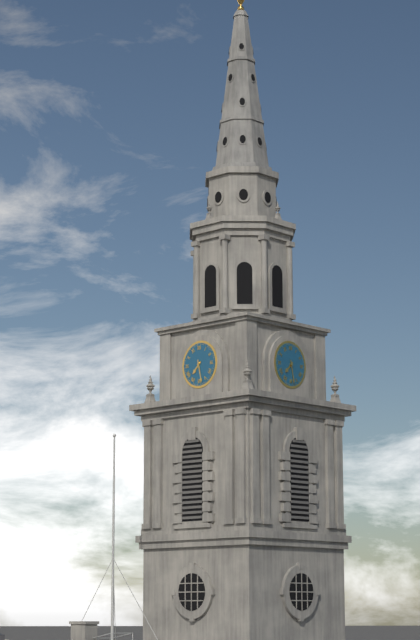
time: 7:28
